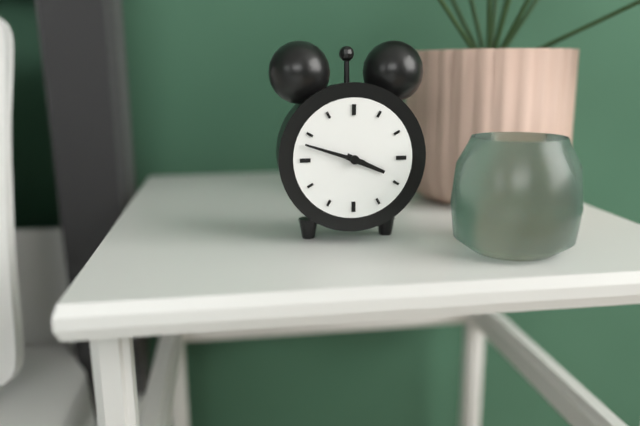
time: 3:48
